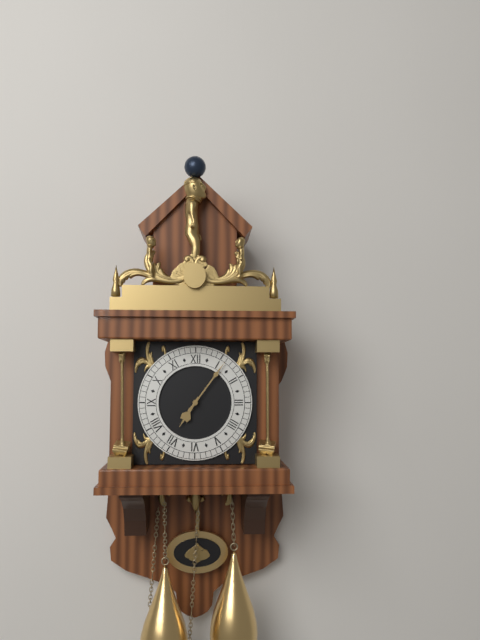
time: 7:06
